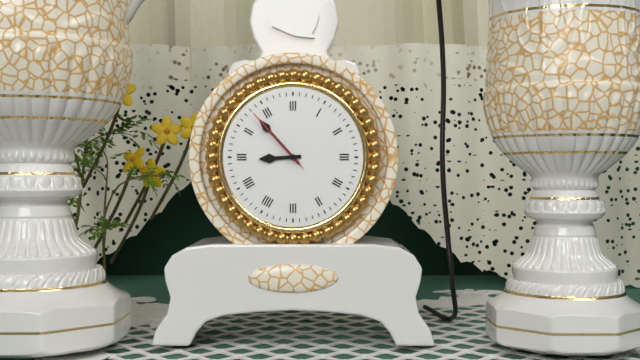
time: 8:53:53
